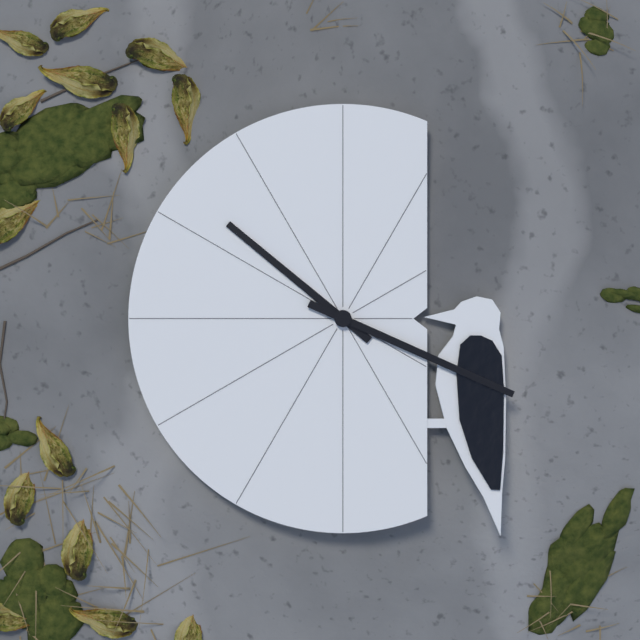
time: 10:19
